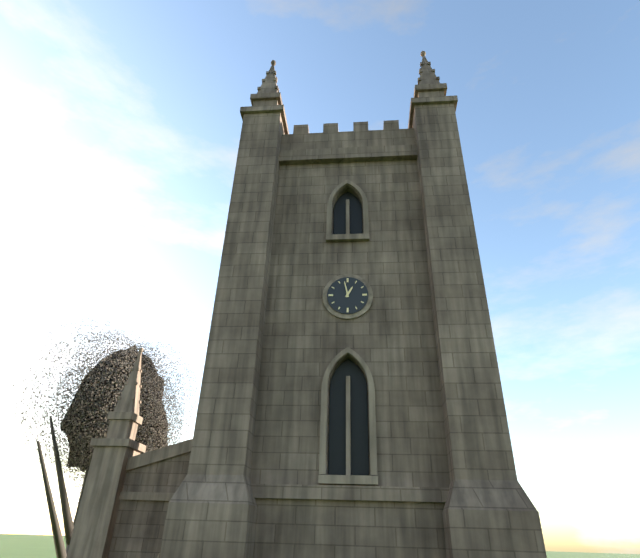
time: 12:58
